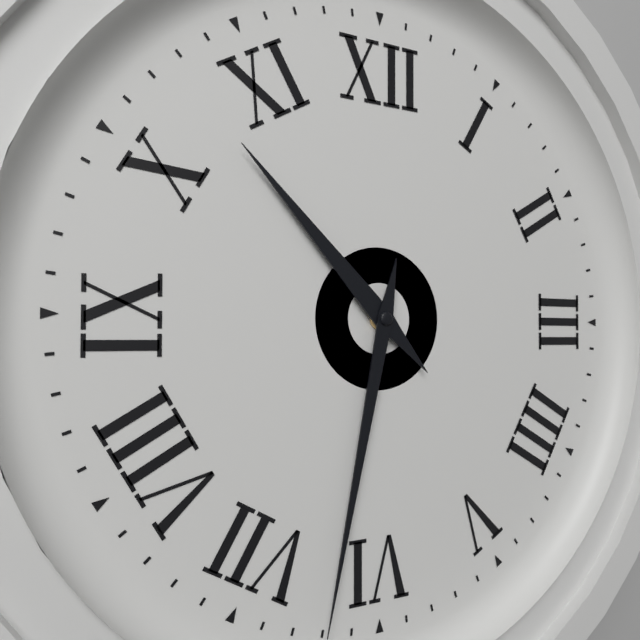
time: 10:32
